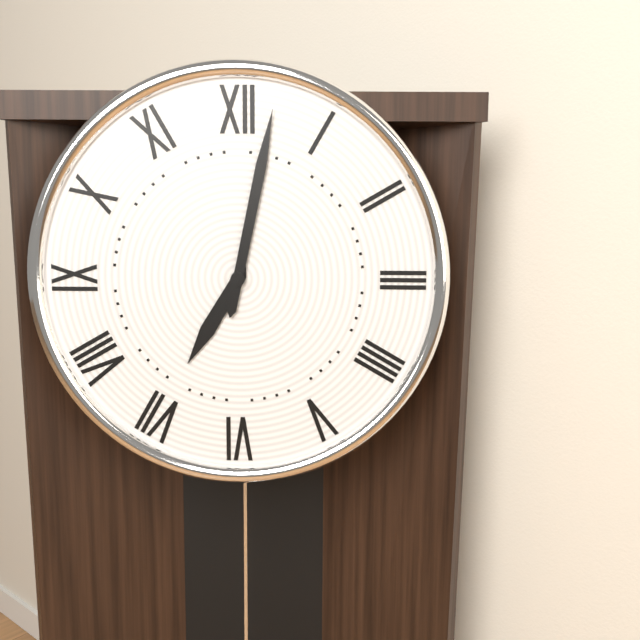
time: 7:02
